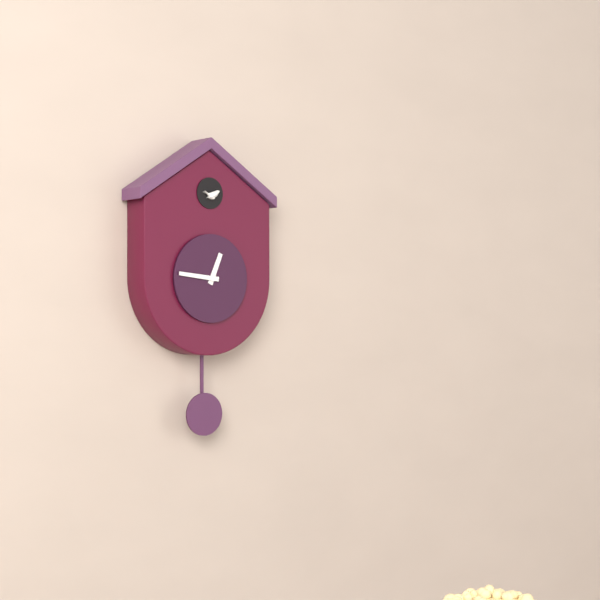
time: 12:46
